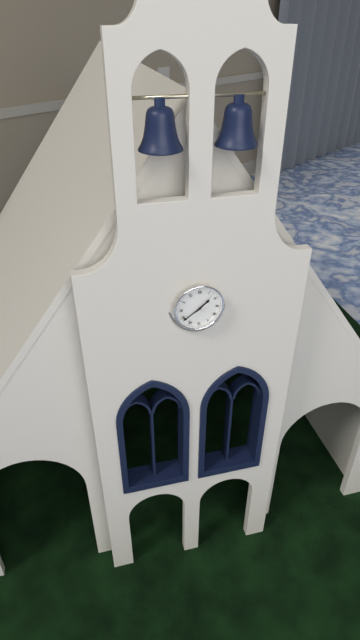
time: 1:39
